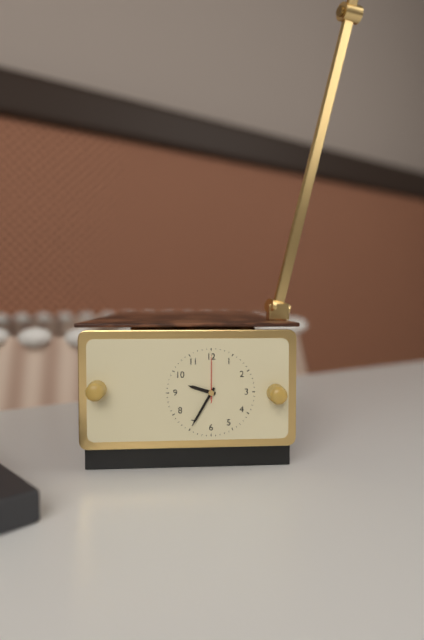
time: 9:35
